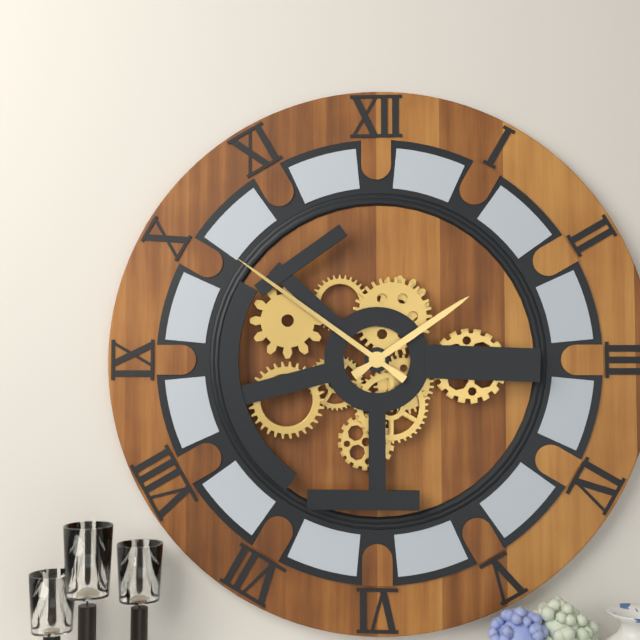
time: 1:51
